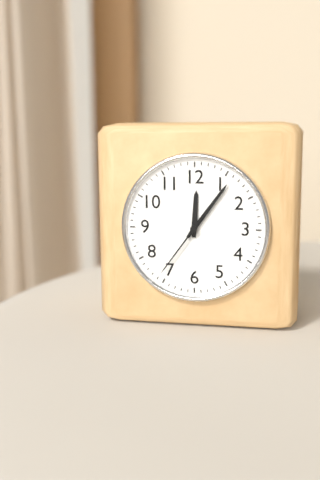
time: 12:06:36
